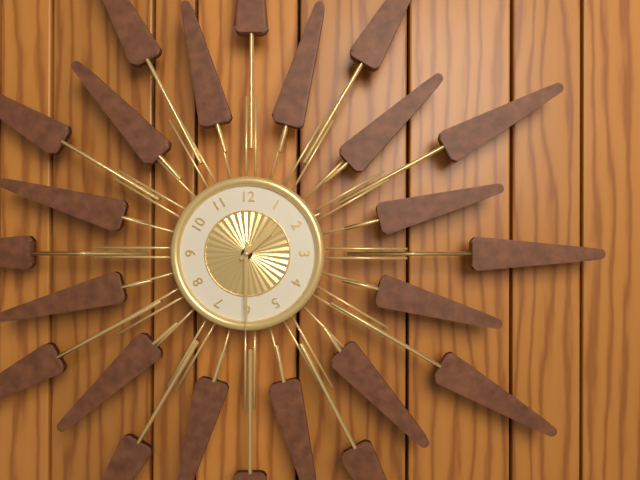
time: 1:30
